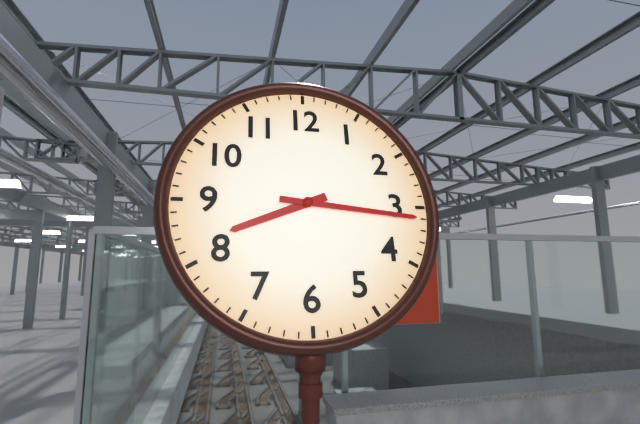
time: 8:16
